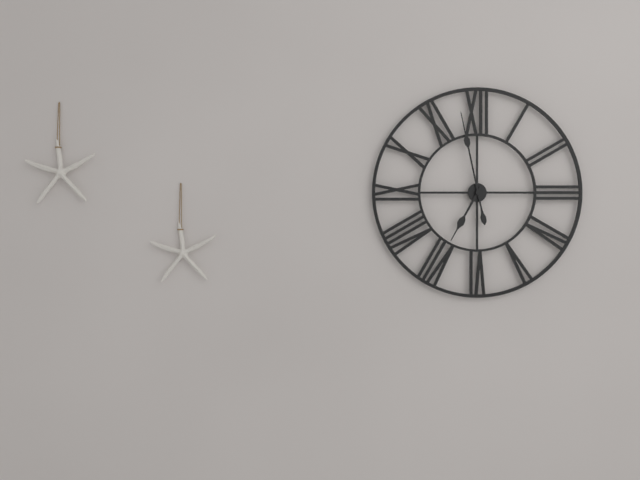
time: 6:58
